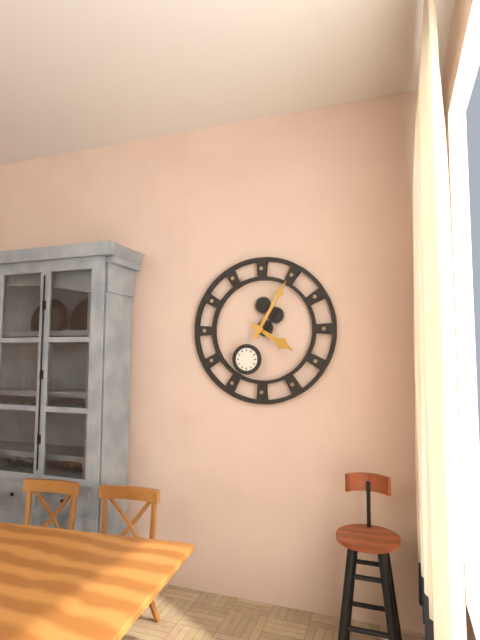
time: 4:05
